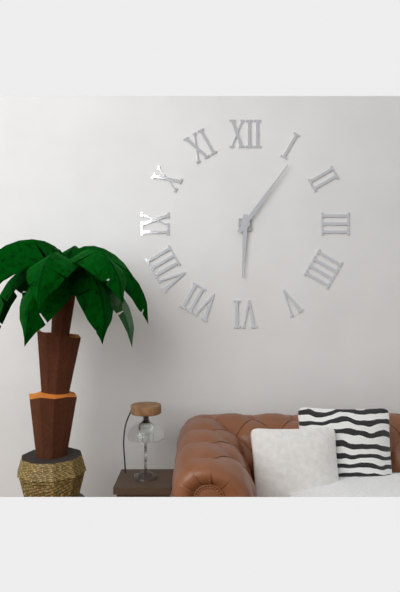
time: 6:06
